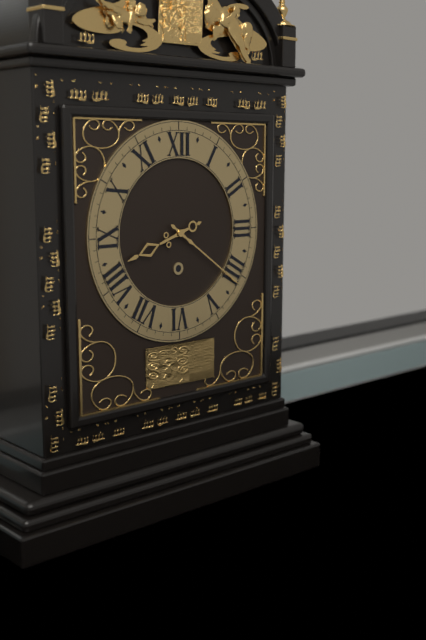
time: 8:21
